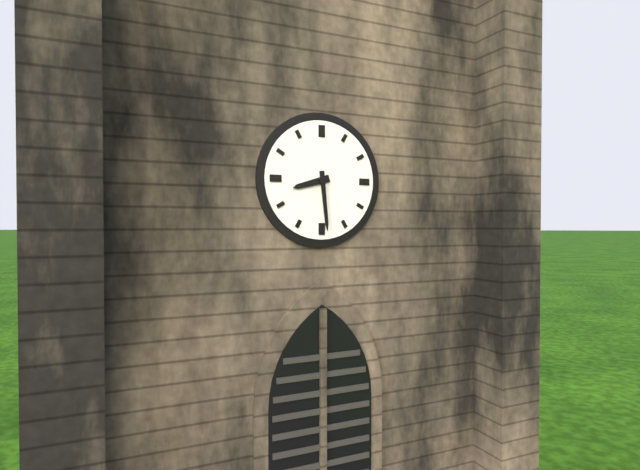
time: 8:29
